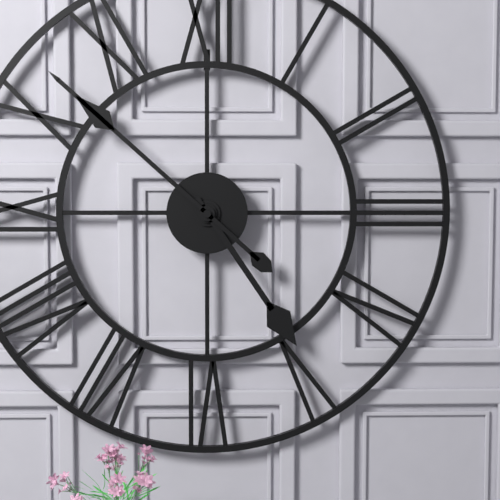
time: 4:52
